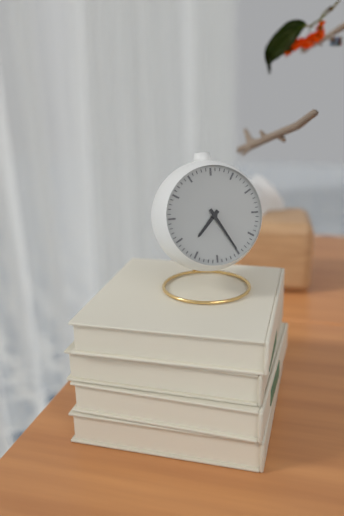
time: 7:25
